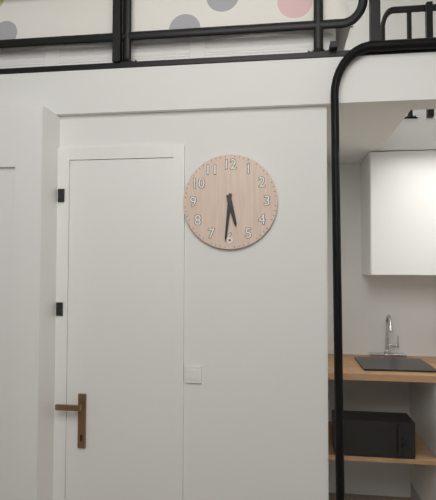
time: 5:31
